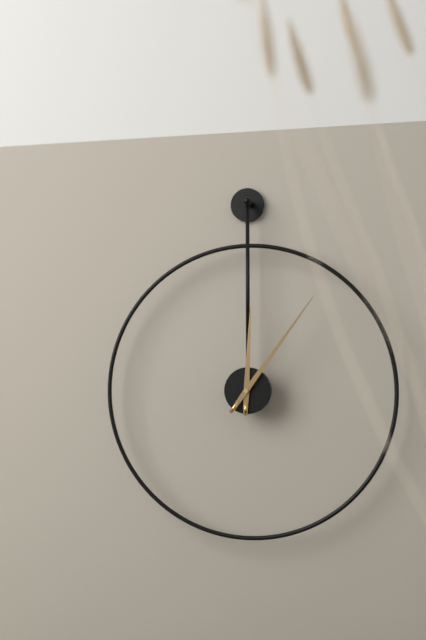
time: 12:06
